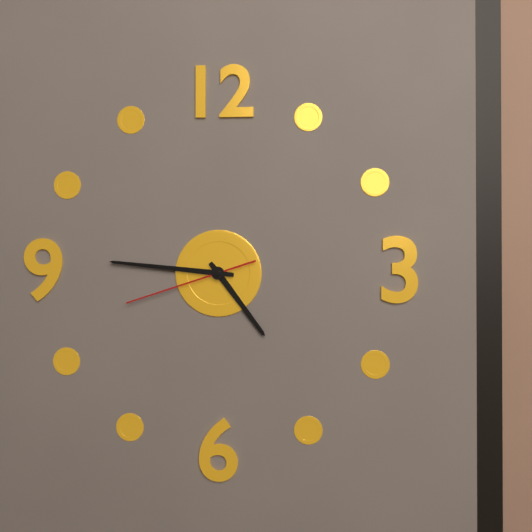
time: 4:46:42
